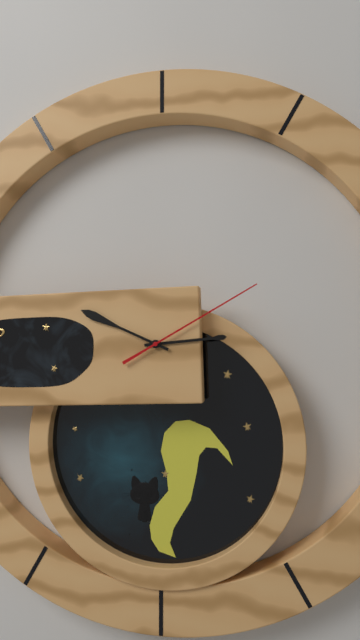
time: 2:49:10
